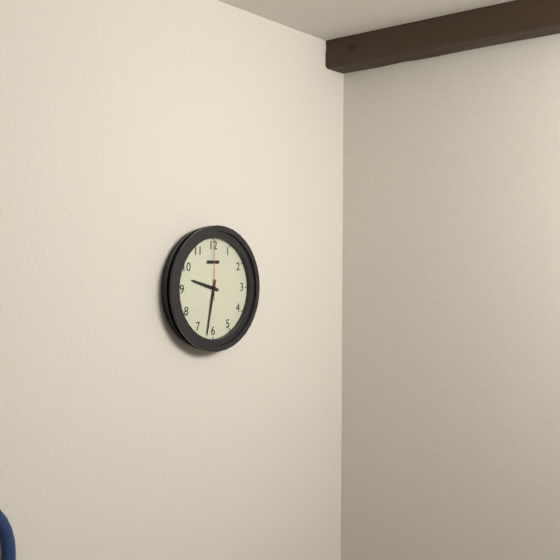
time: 9:32:00
